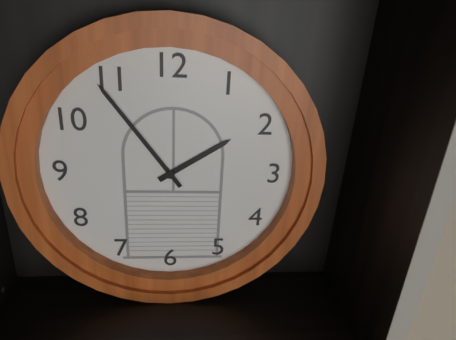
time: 1:54
